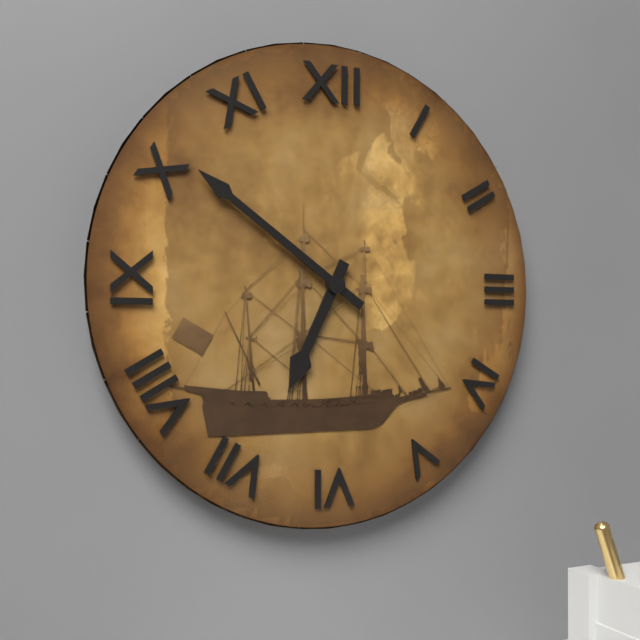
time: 6:51
